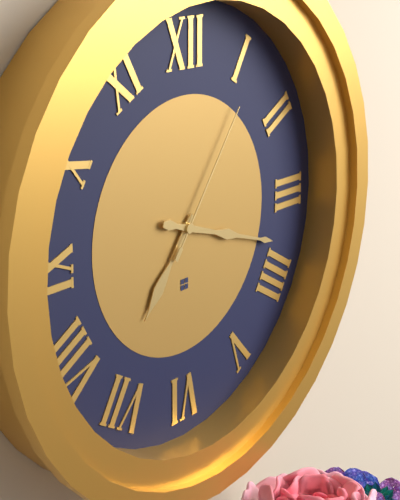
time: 7:18:06
